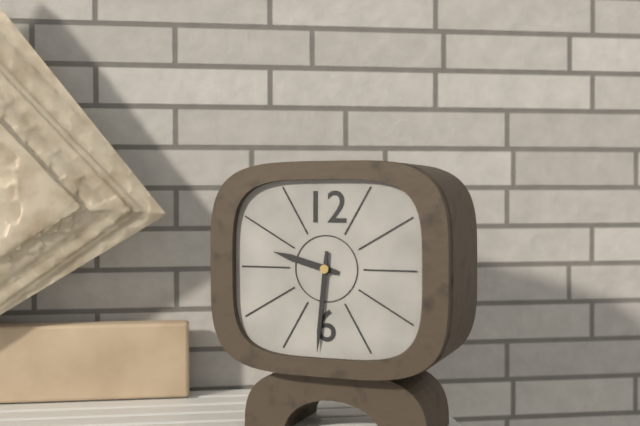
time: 9:31
